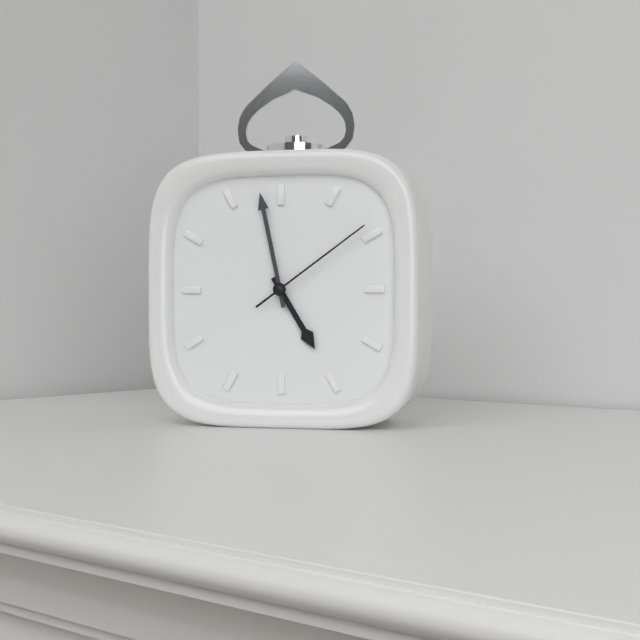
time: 4:58:09
